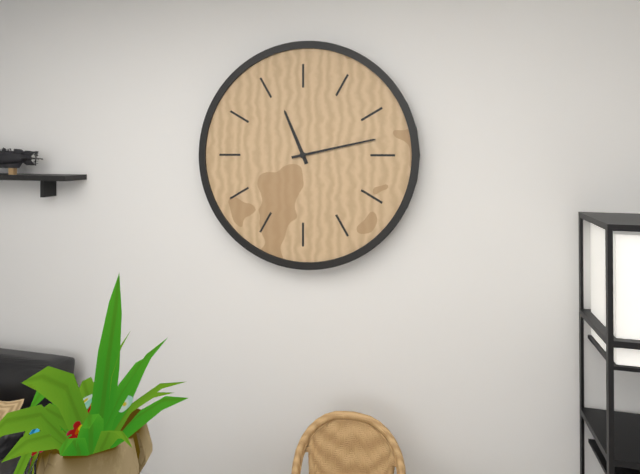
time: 11:13
